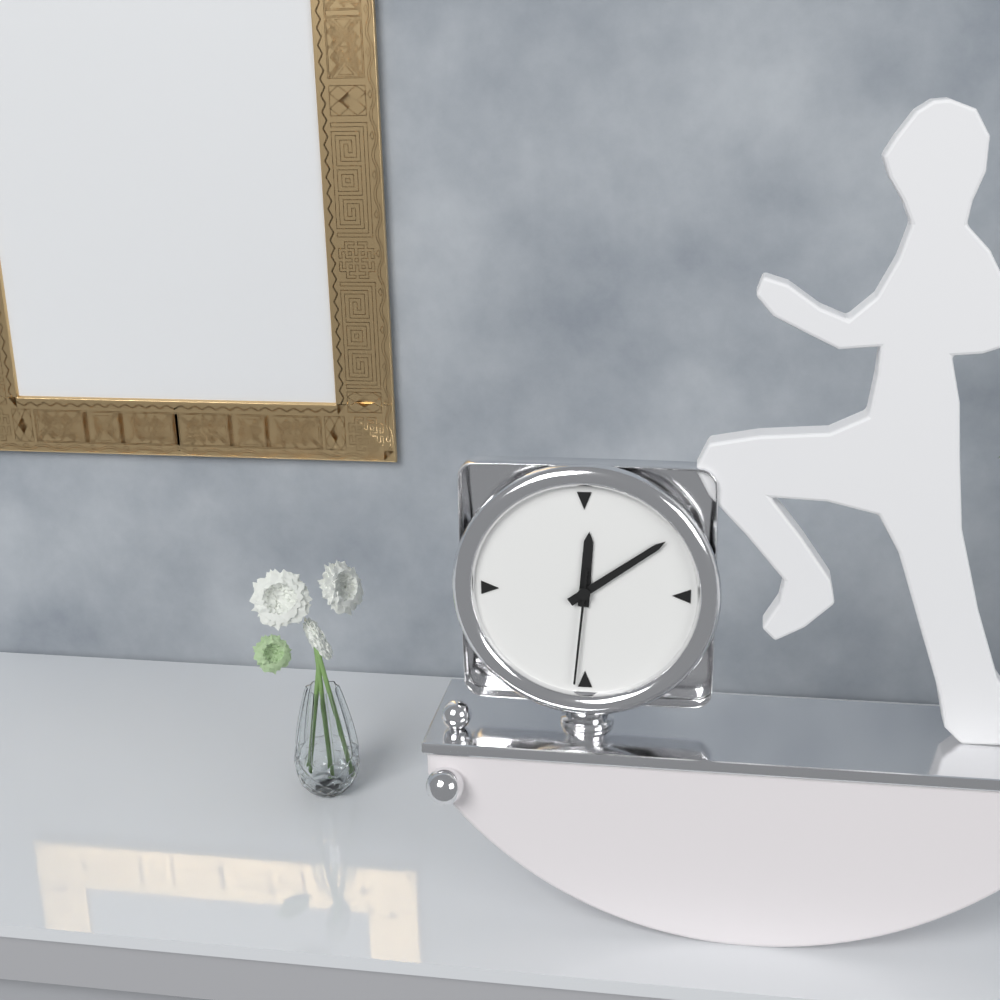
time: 12:09:31
